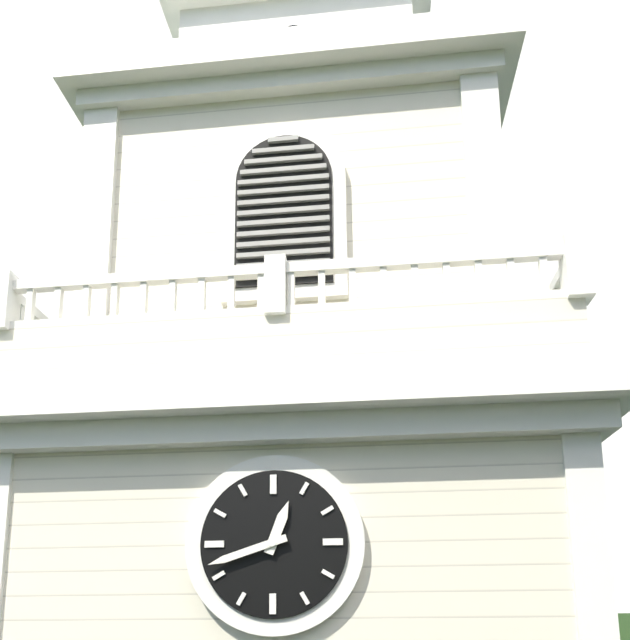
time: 12:42
